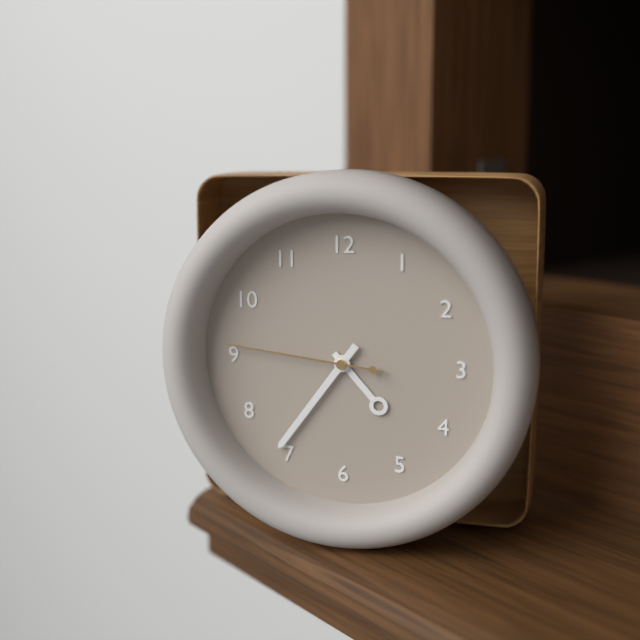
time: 4:36:46
